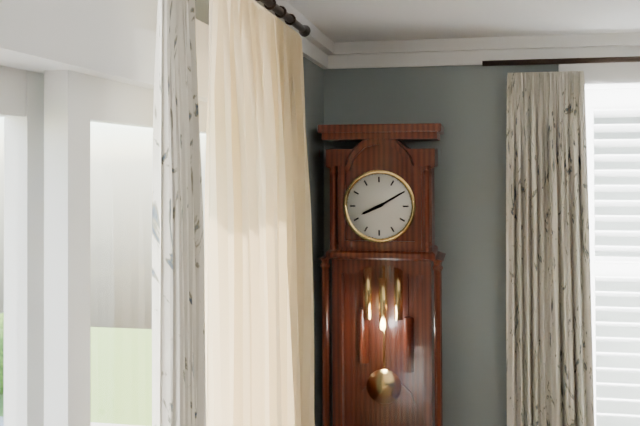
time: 8:10
